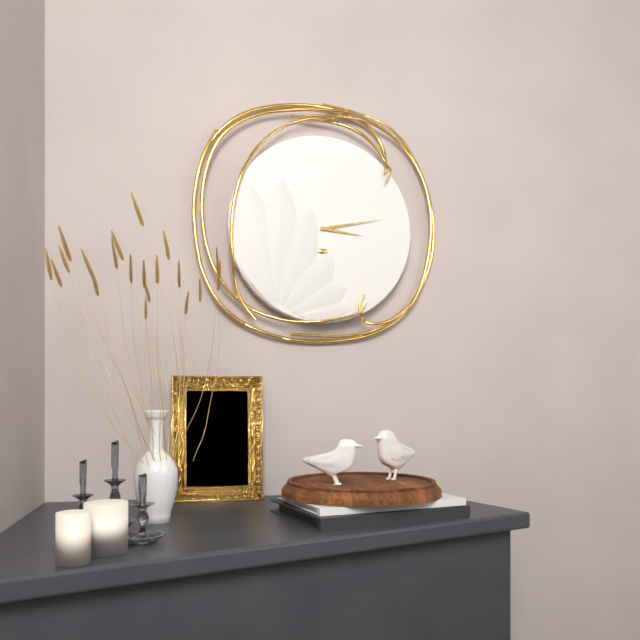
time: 3:13
